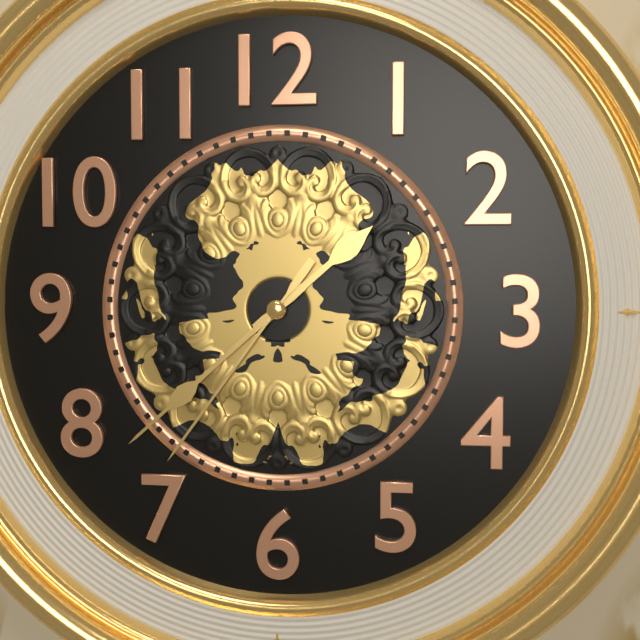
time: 1:38:36
